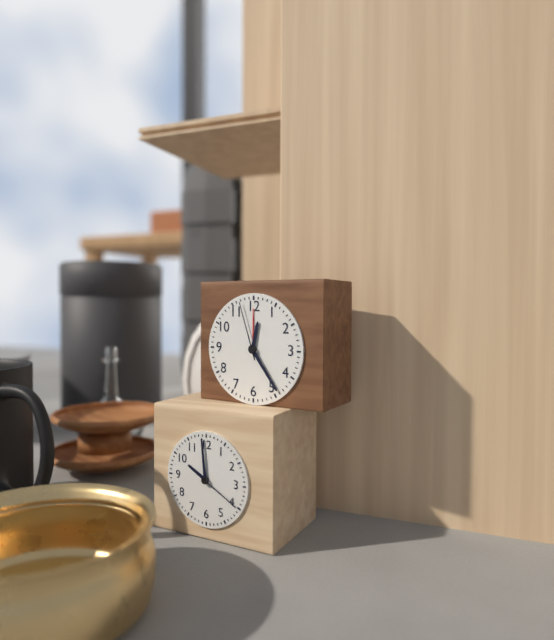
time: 12:24:57
